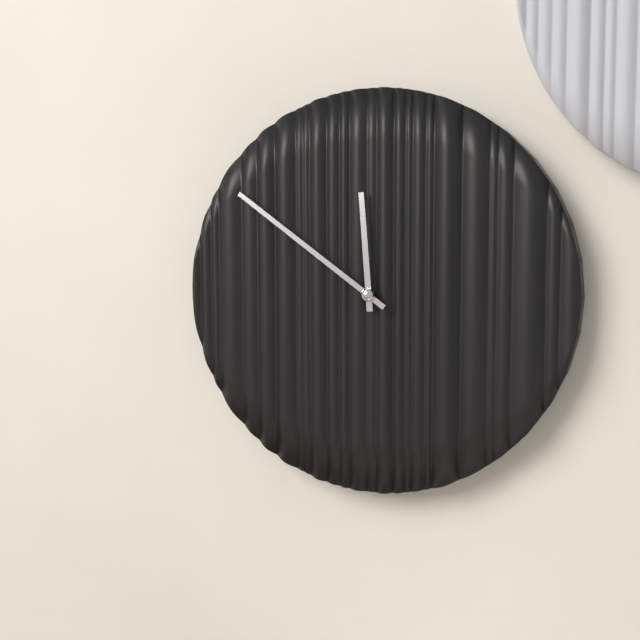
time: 11:51
